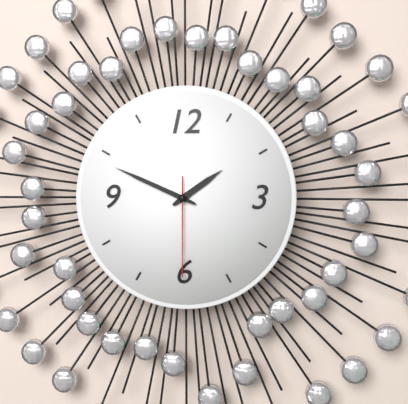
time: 1:49:30
